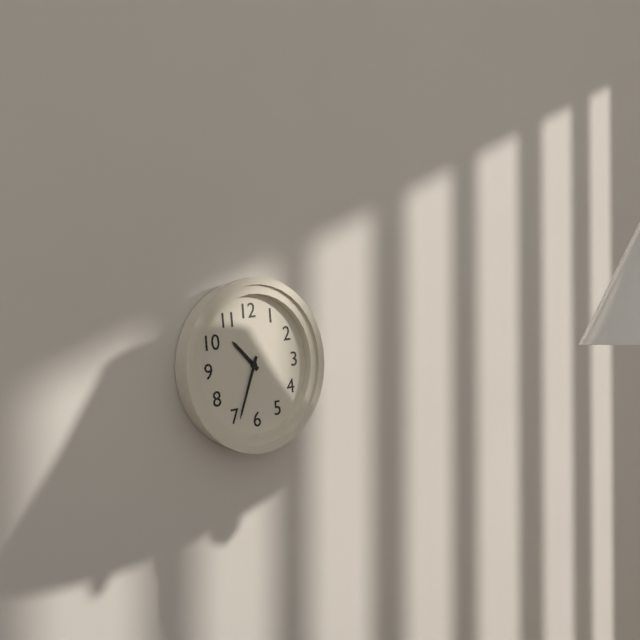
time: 10:34
